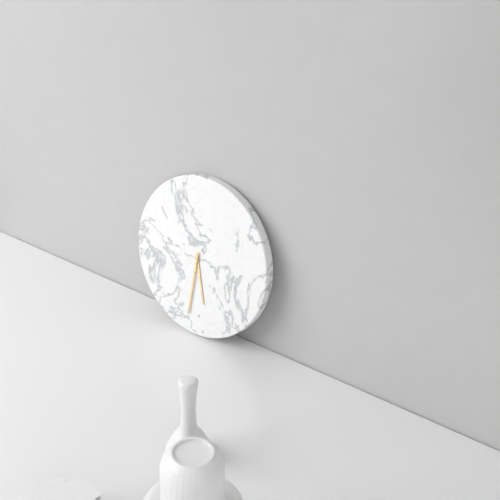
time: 5:31
